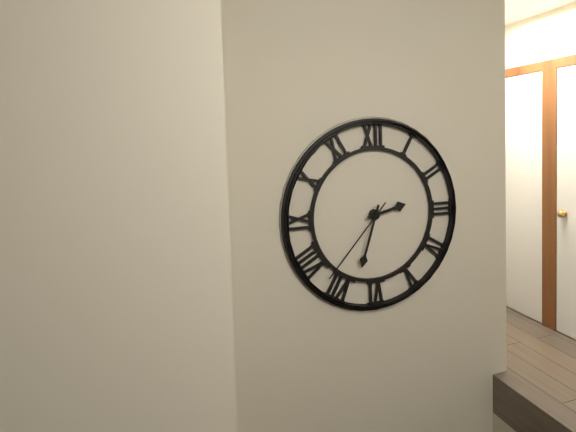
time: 2:33:37
